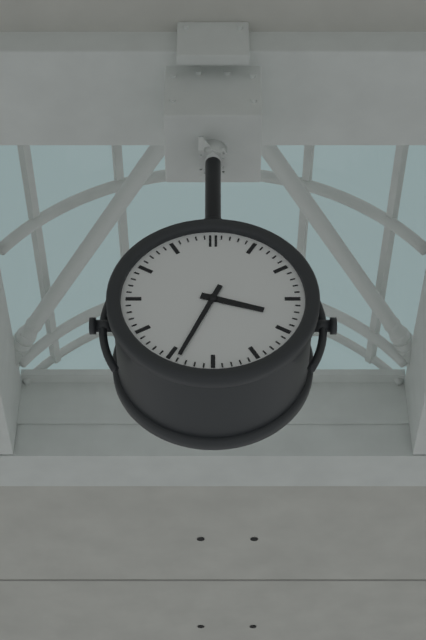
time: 3:34
